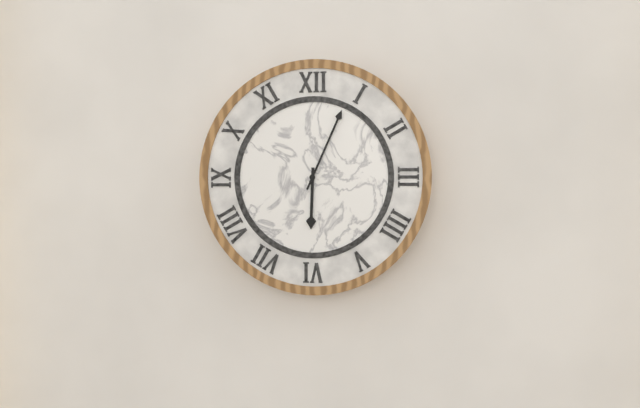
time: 6:04
